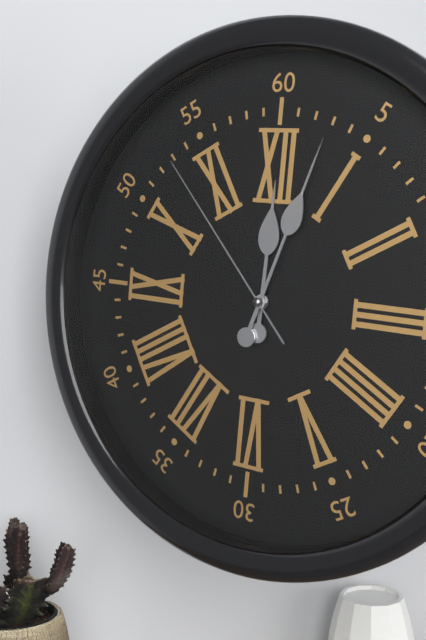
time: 12:03:53
